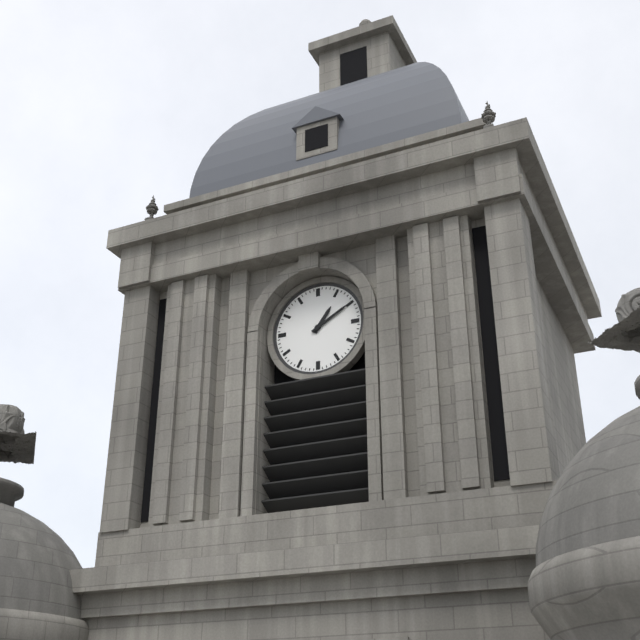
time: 1:10
